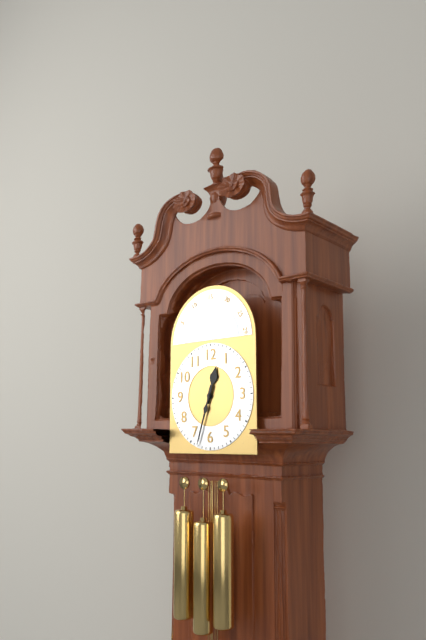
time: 12:33
